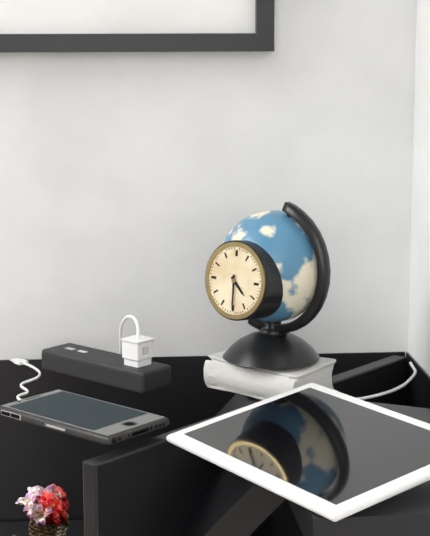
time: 4:30
